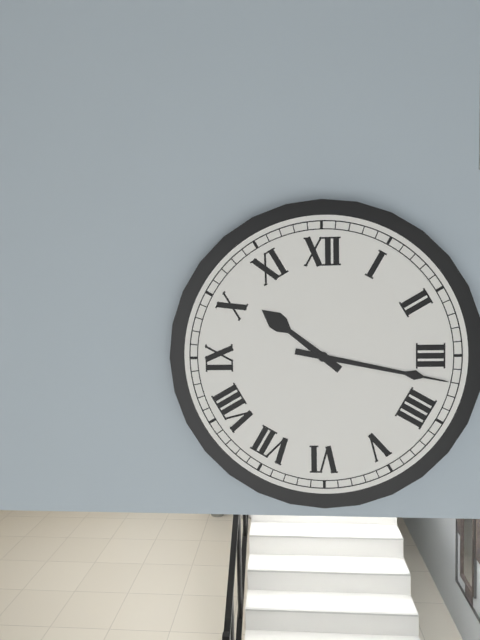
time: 10:17
